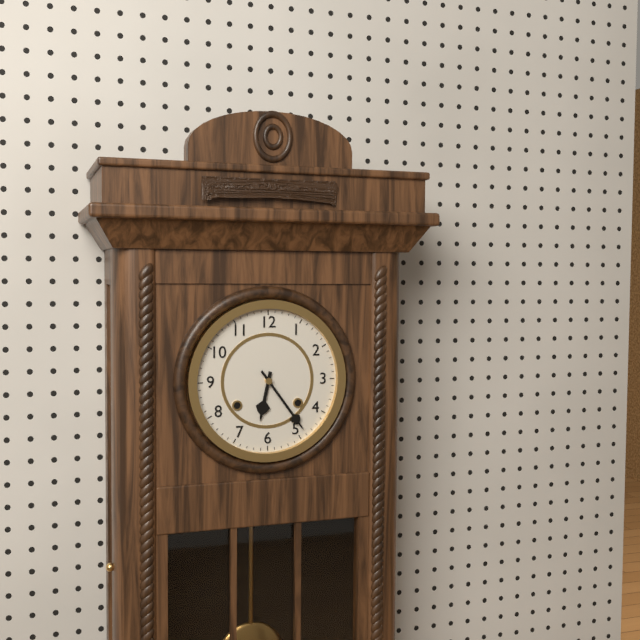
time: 6:24
